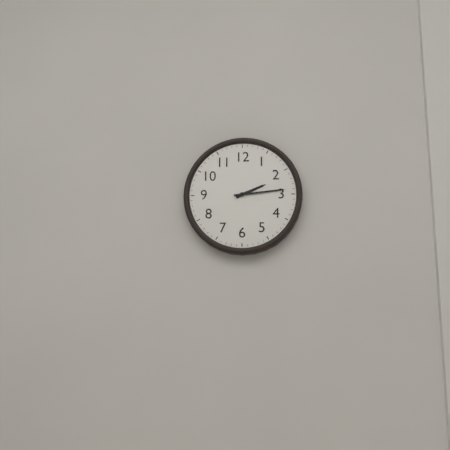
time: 2:14
